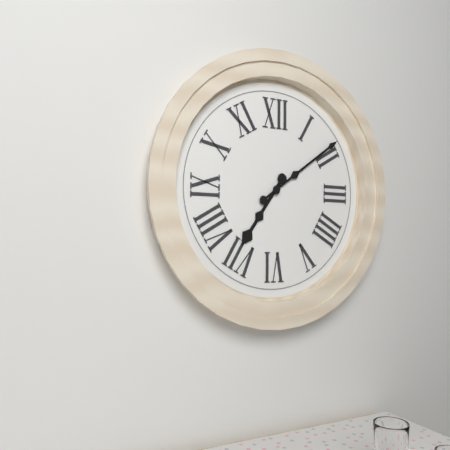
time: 7:09
